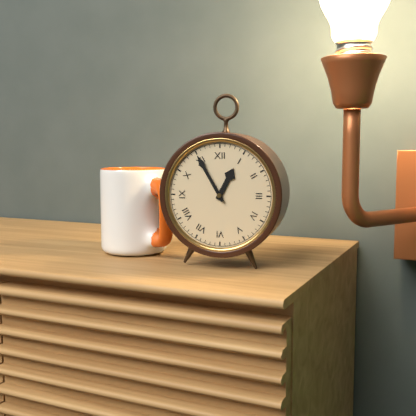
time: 12:55
